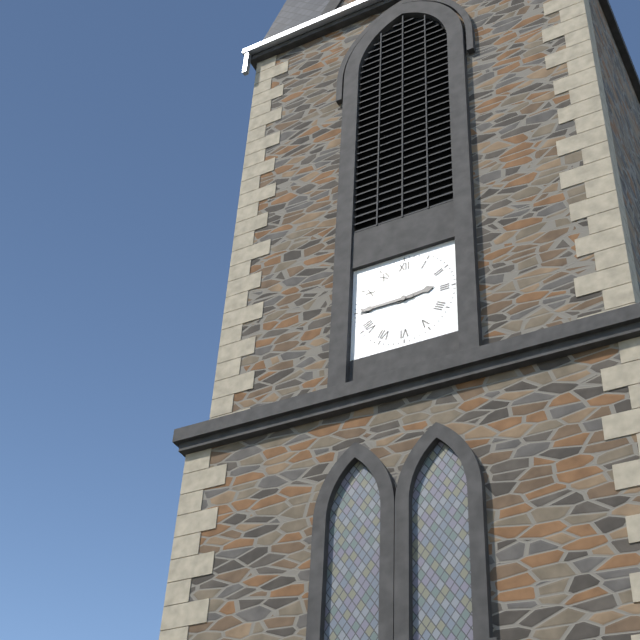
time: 2:45
